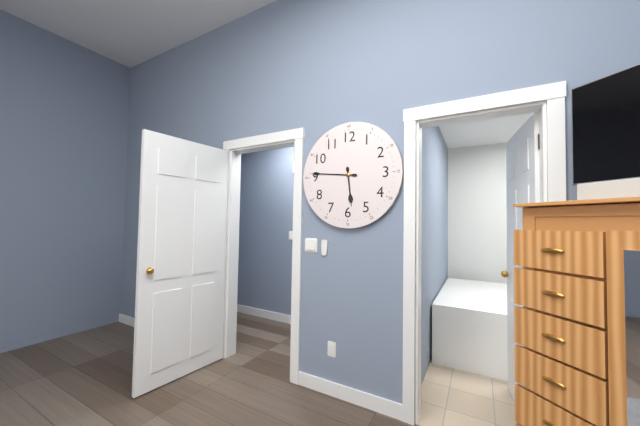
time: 5:46
